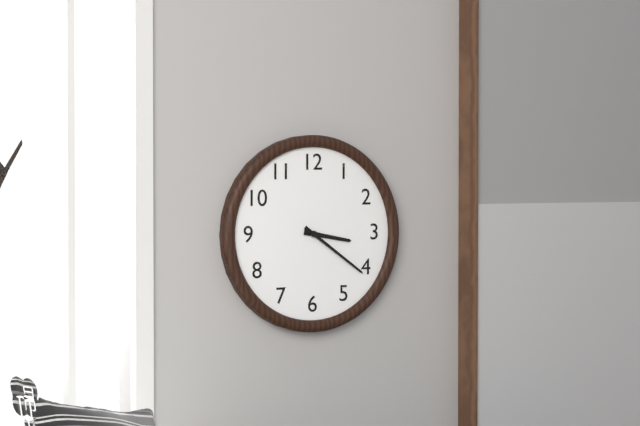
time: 3:21
